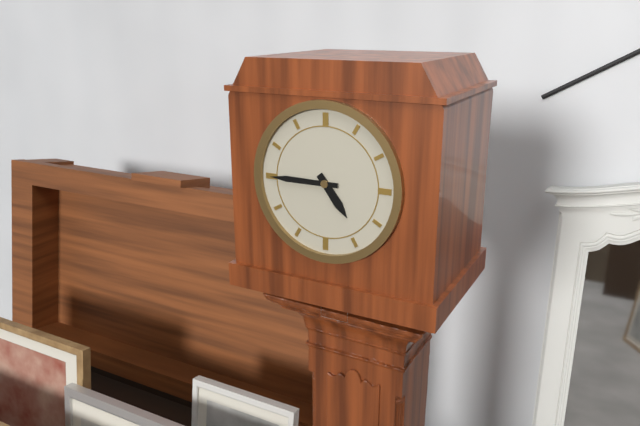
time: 4:45
